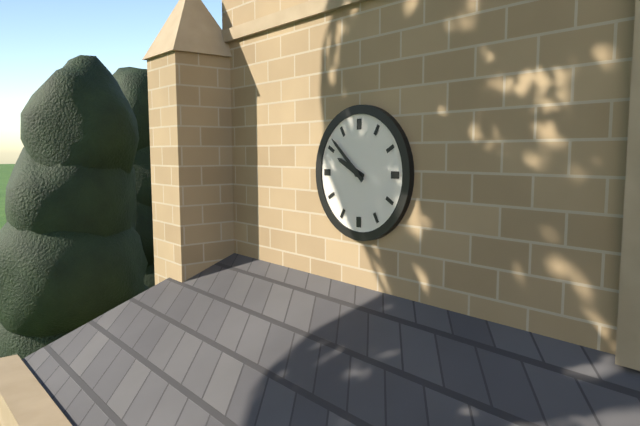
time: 9:52
